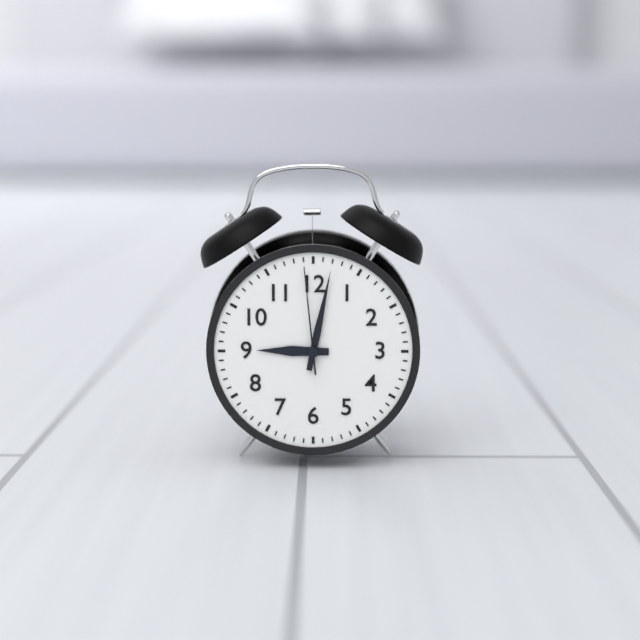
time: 9:02:59
